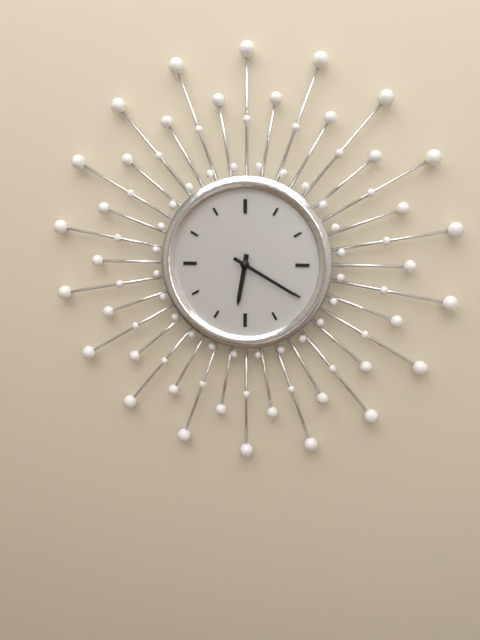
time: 6:20
